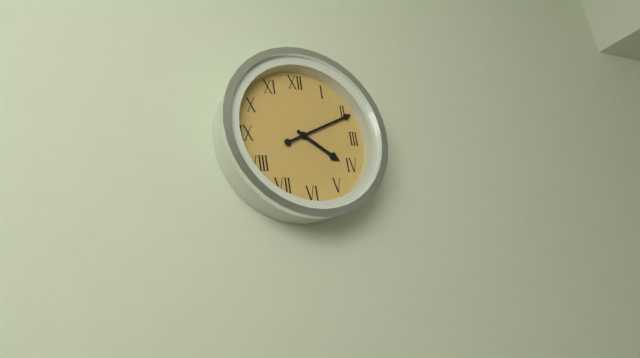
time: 4:11
